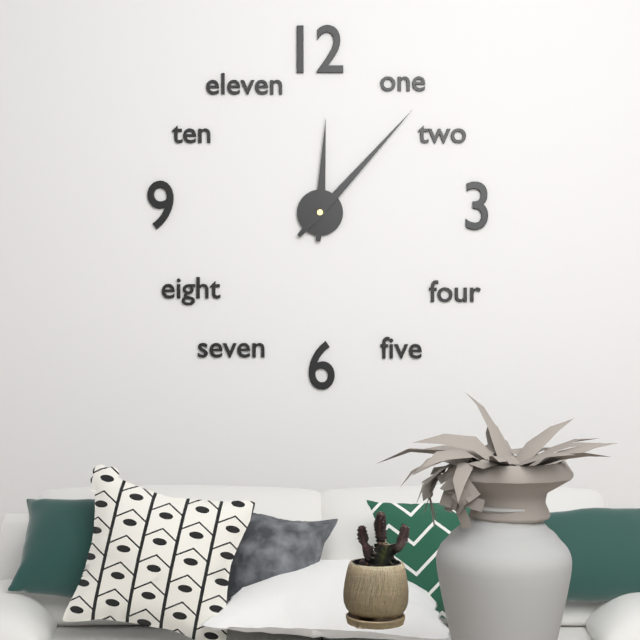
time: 12:07
